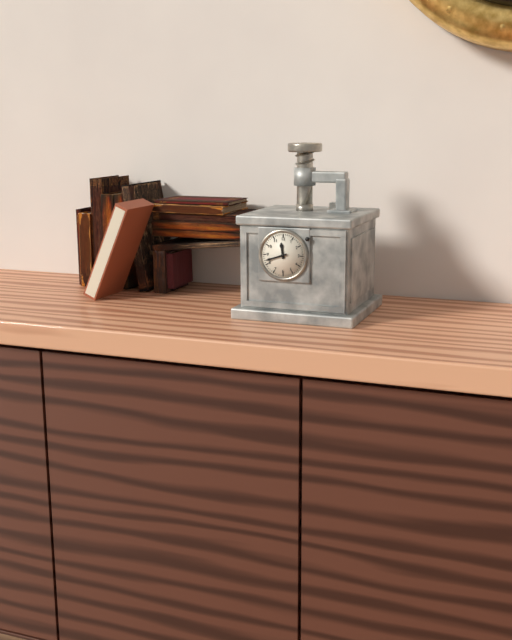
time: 11:42
